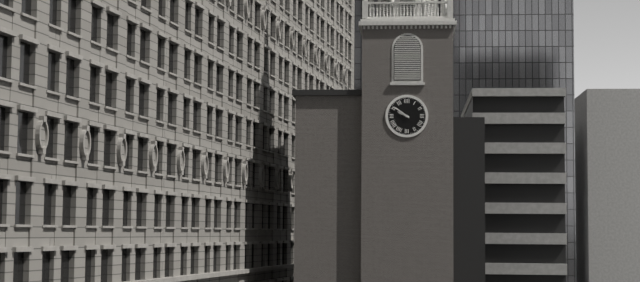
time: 9:51
